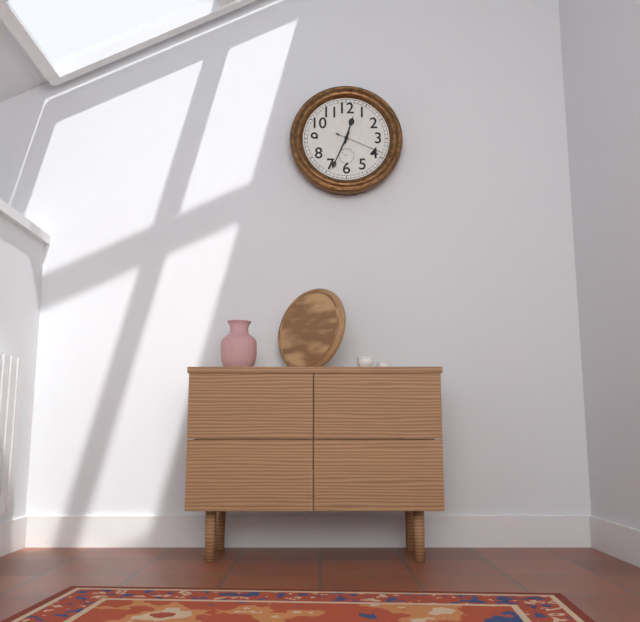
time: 12:34
